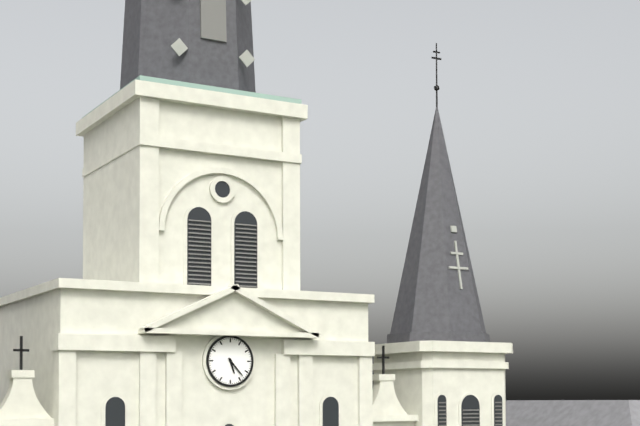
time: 5:23
